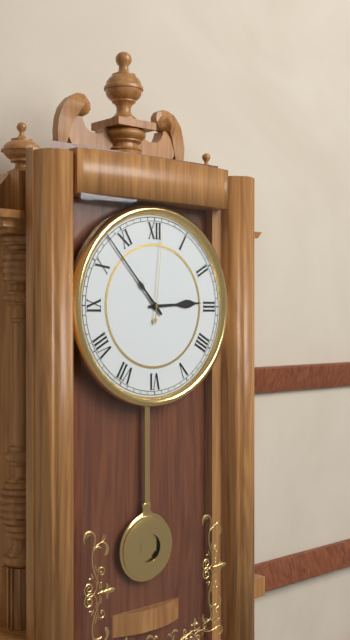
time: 2:53:01
